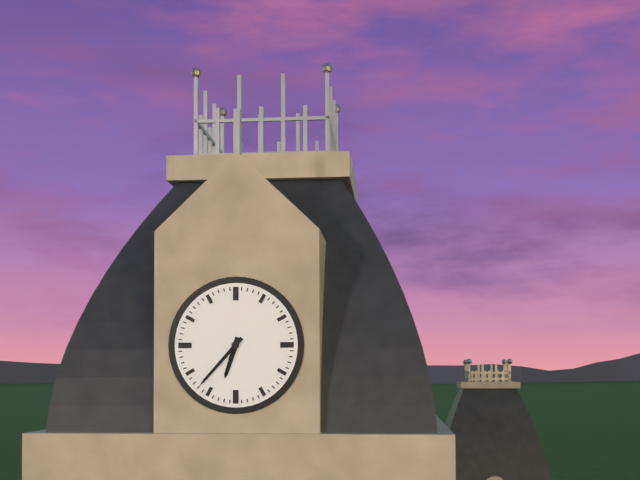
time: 6:37
